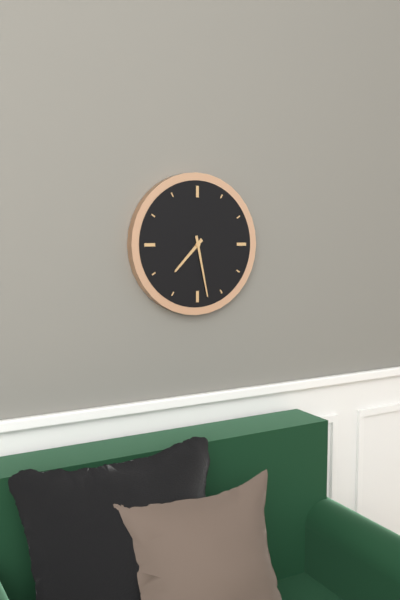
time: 7:28
